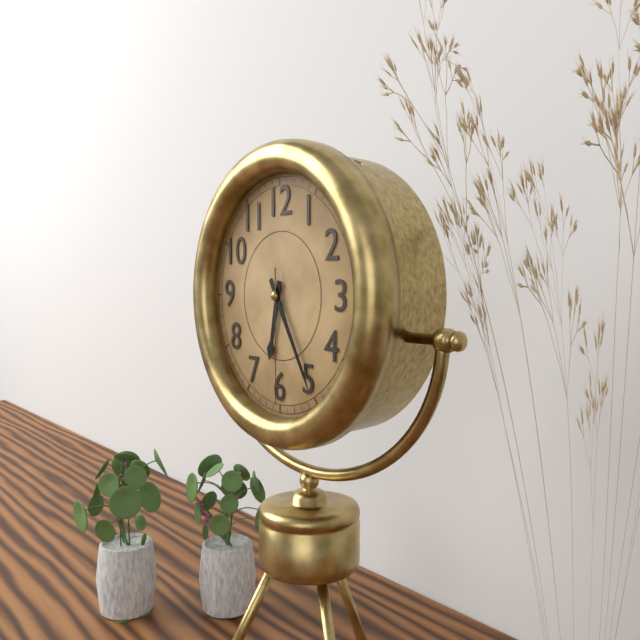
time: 6:25:30
